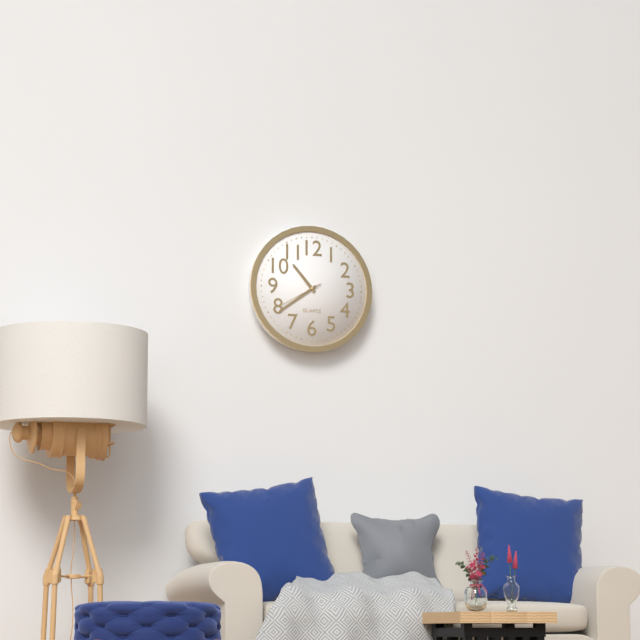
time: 10:39
